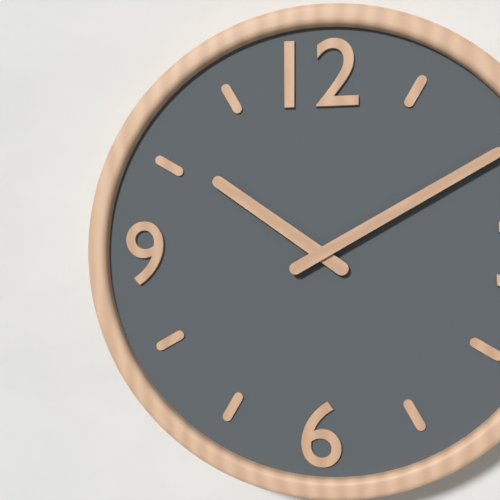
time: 10:10
